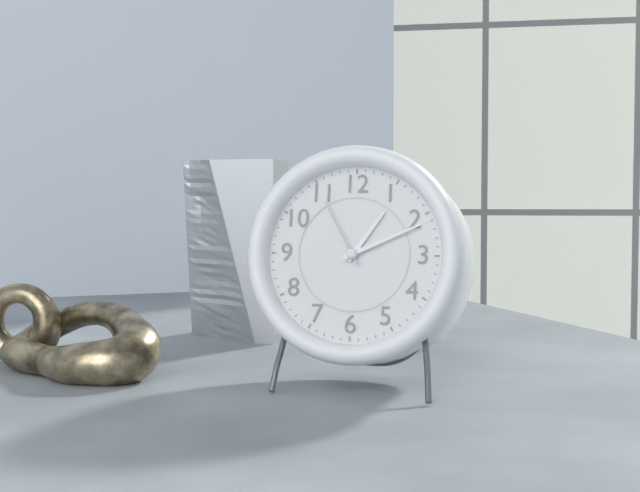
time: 1:11:55
